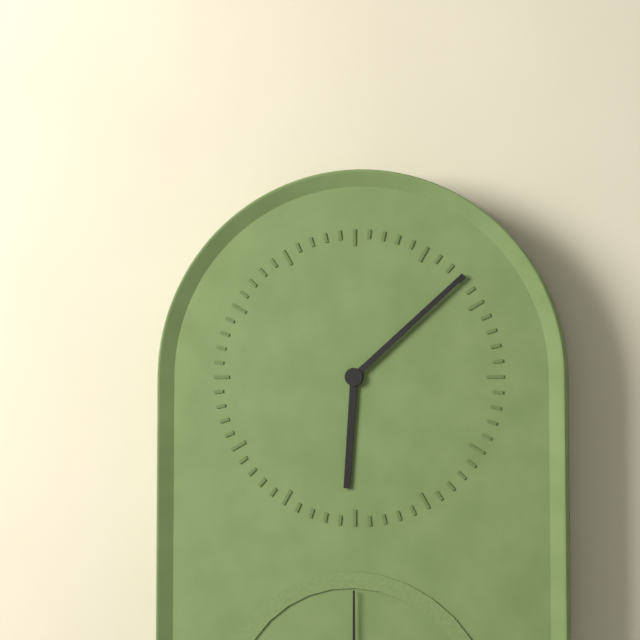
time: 6:08:00
